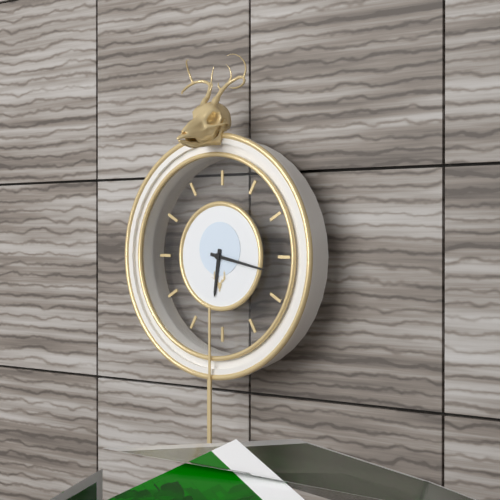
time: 6:17
